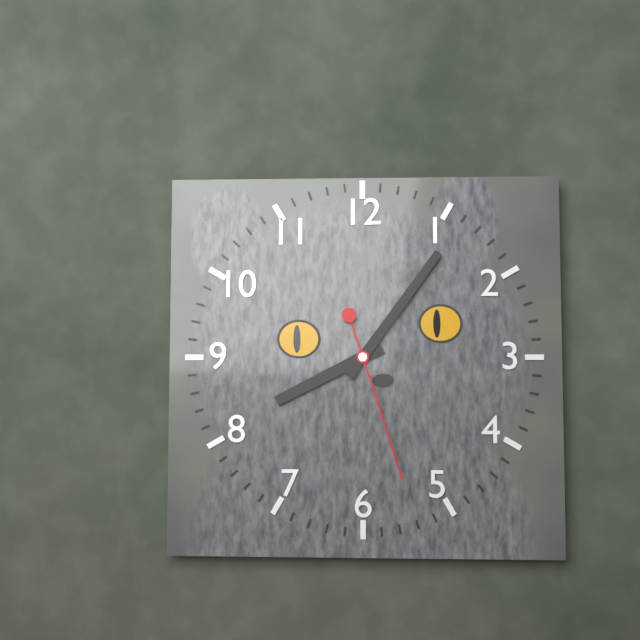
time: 8:06:27
